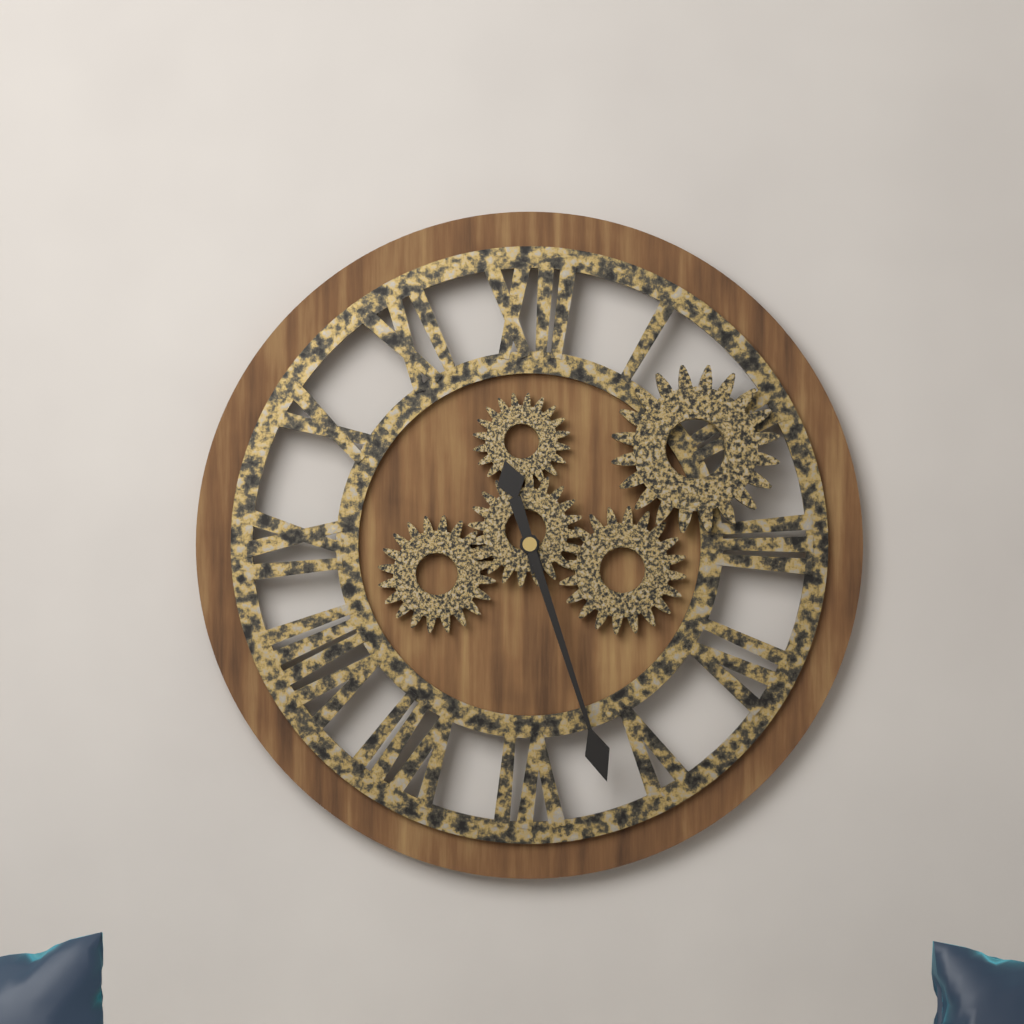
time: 11:27
